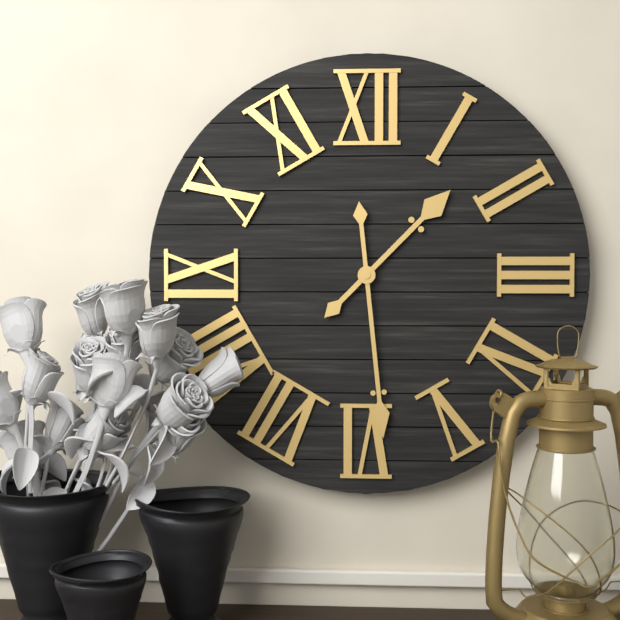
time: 1:29
